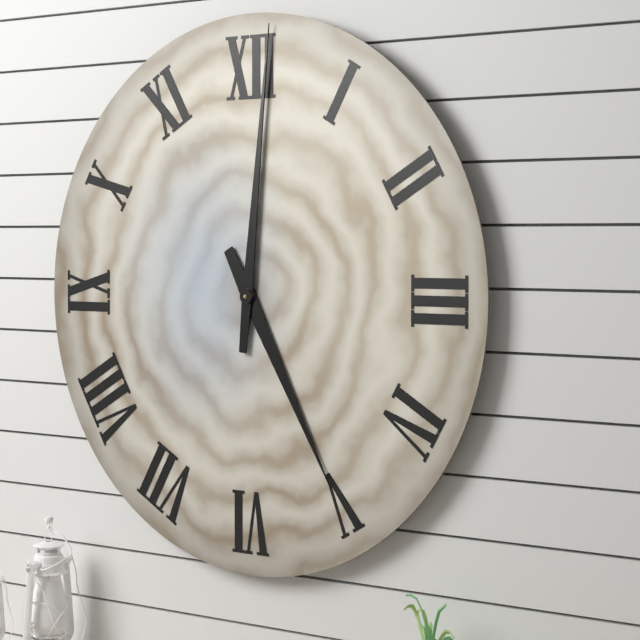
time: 5:01
